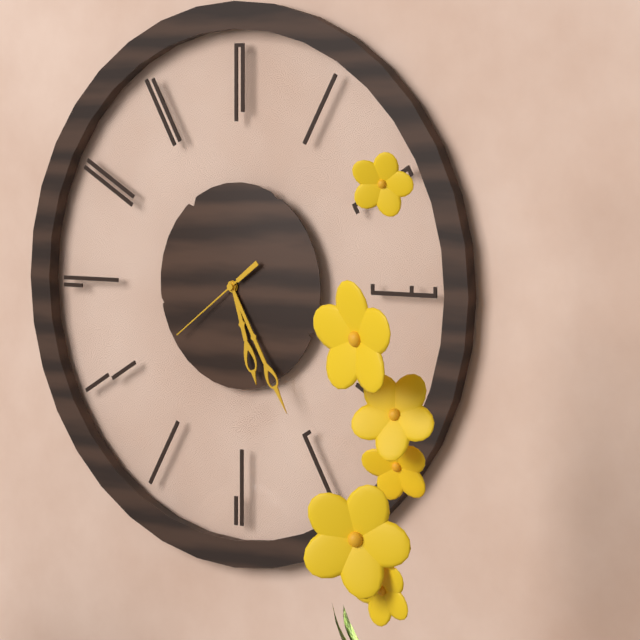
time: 5:25:39
